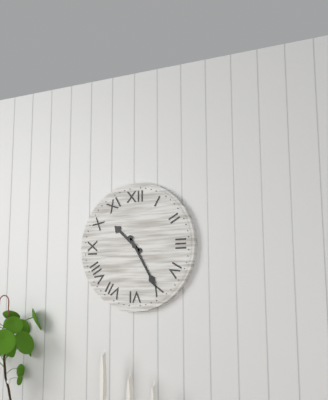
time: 10:25
